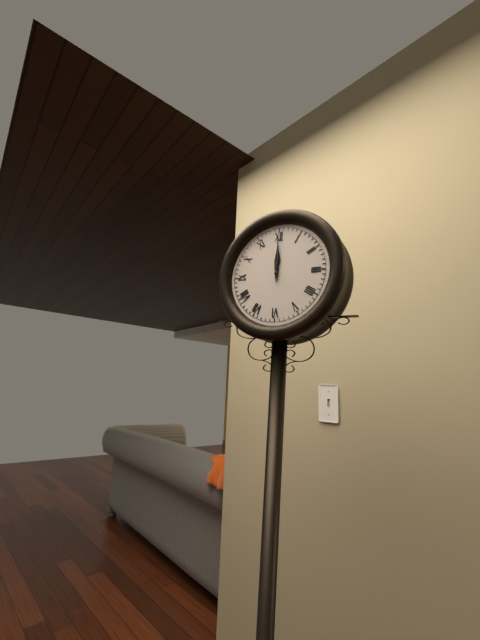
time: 12:00
